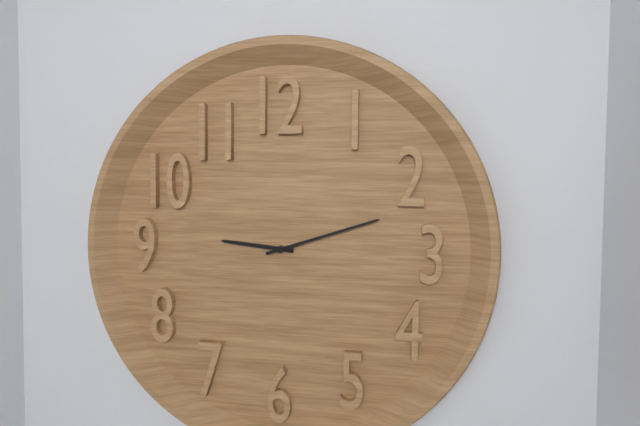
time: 9:12
